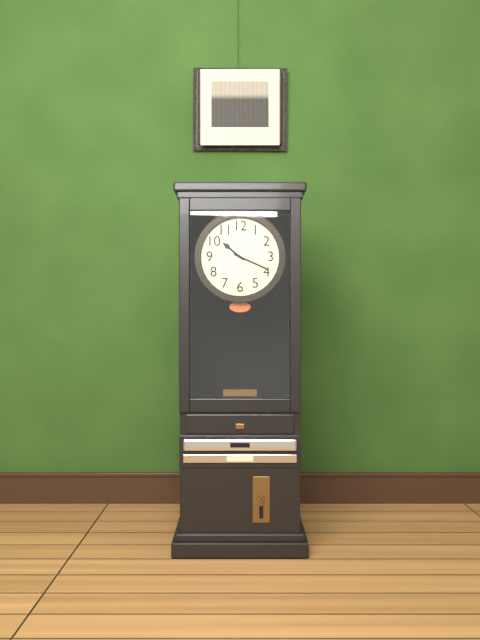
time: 10:19
